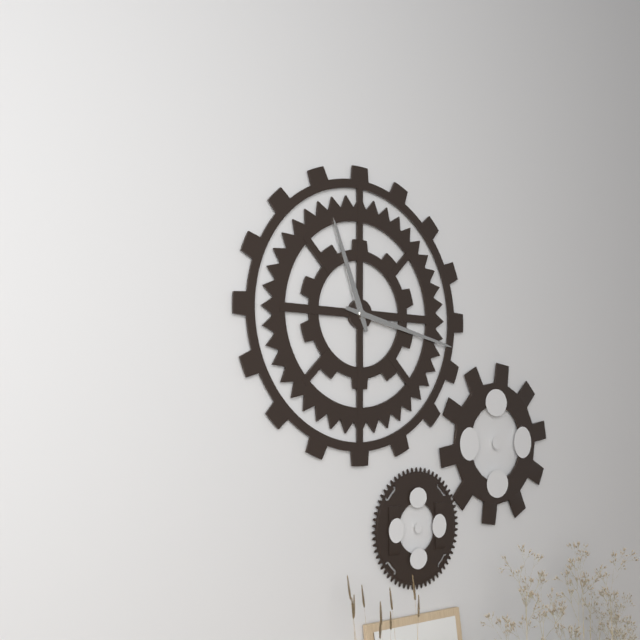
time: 11:17
